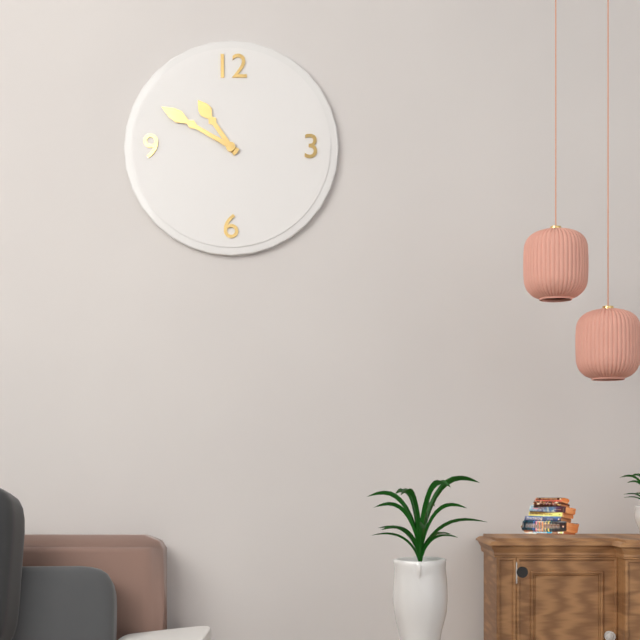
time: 10:50
